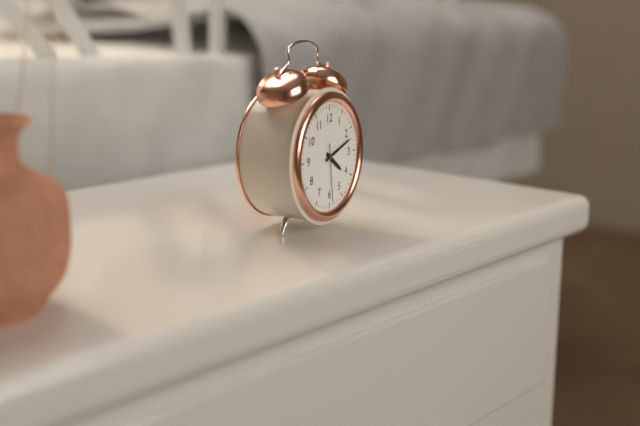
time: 4:12:29
